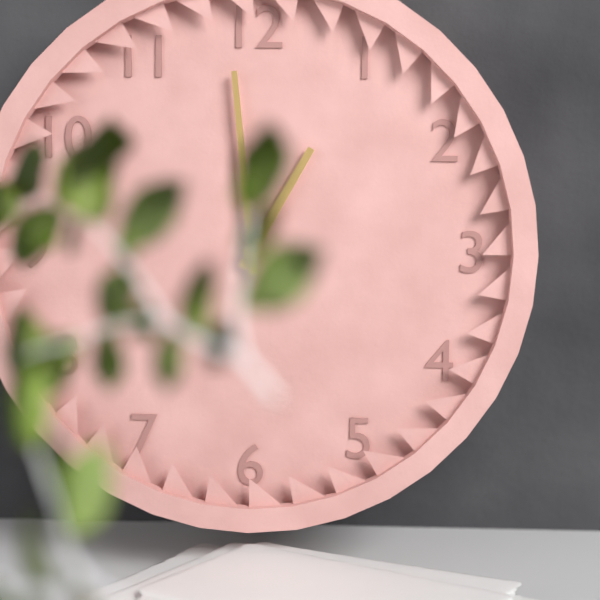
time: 12:59
